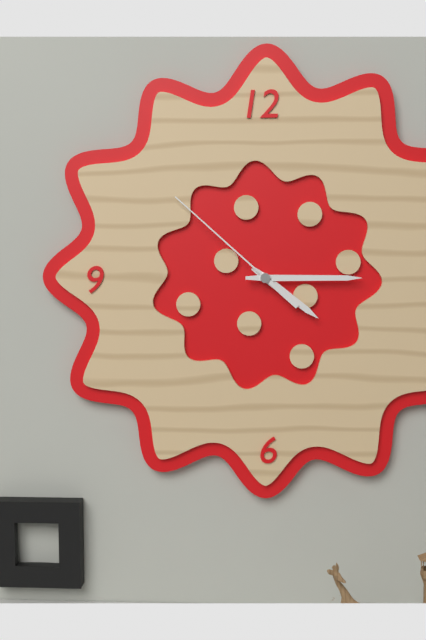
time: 4:15:52
